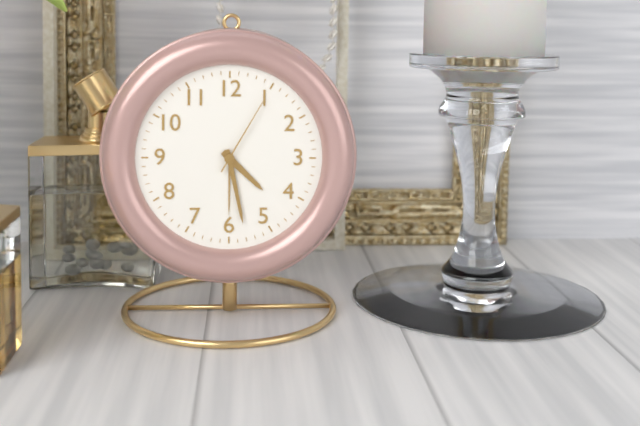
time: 4:28:05
